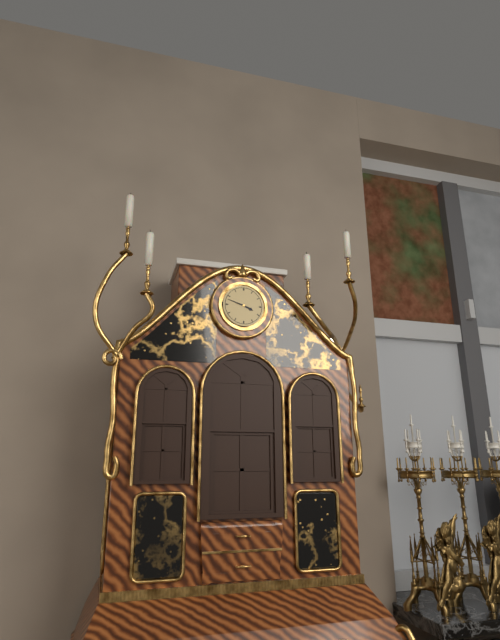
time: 3:48
